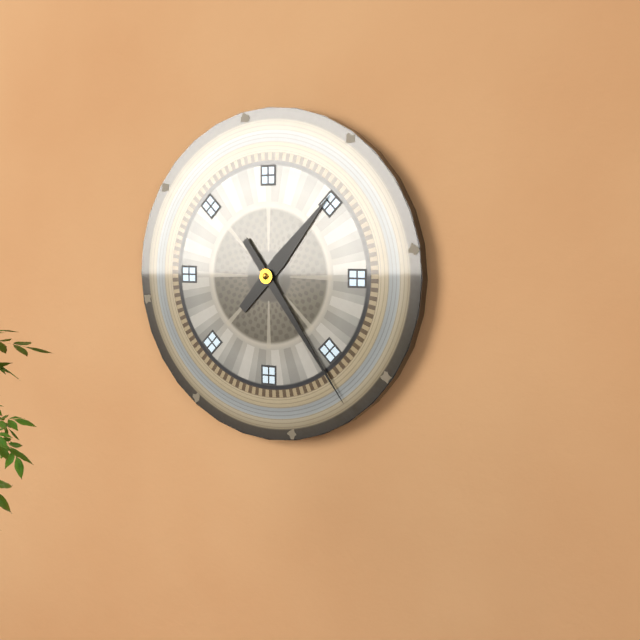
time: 1:24
